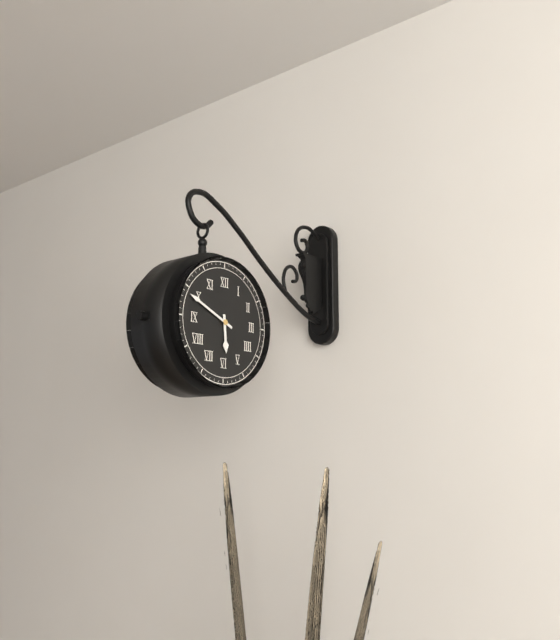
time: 5:49
